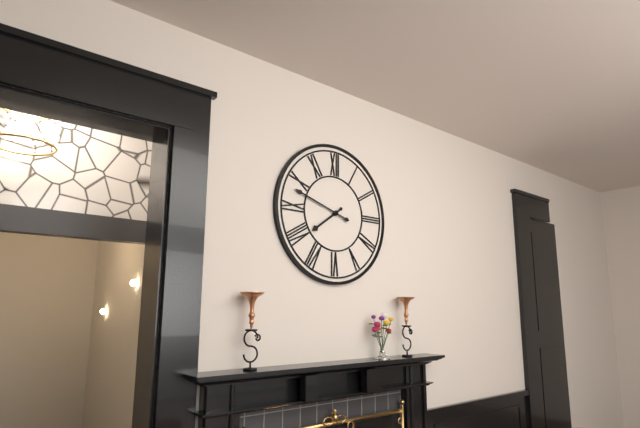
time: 7:48
